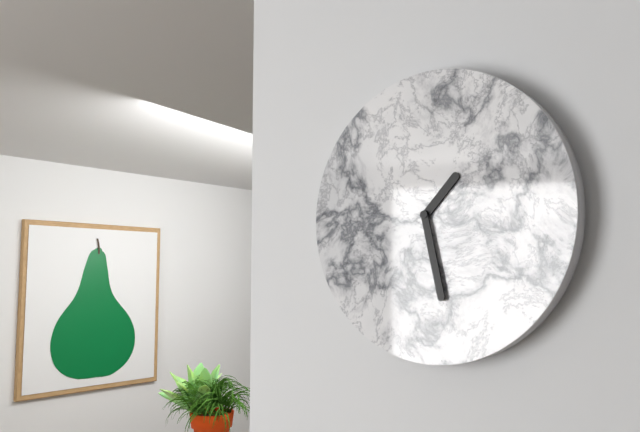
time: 1:28
